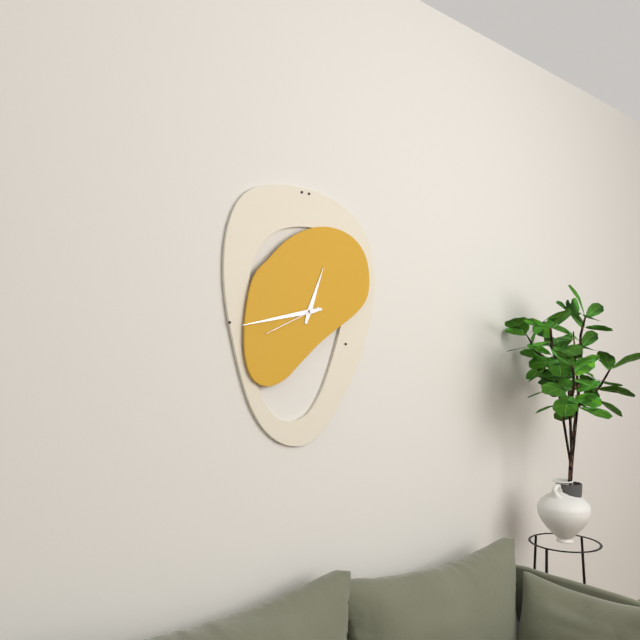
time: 12:43:41
